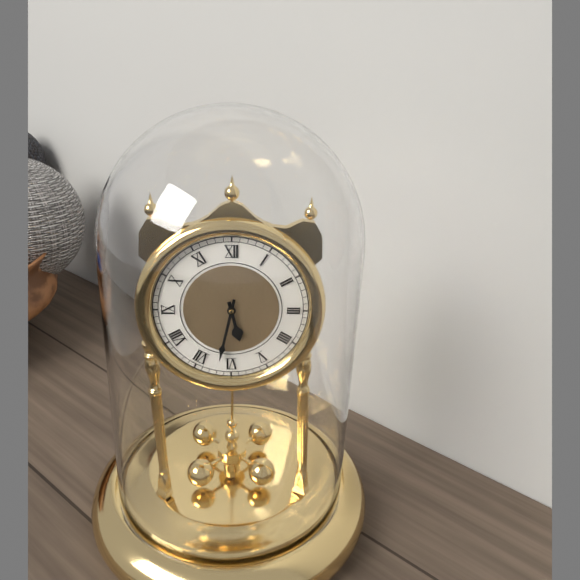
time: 5:32
